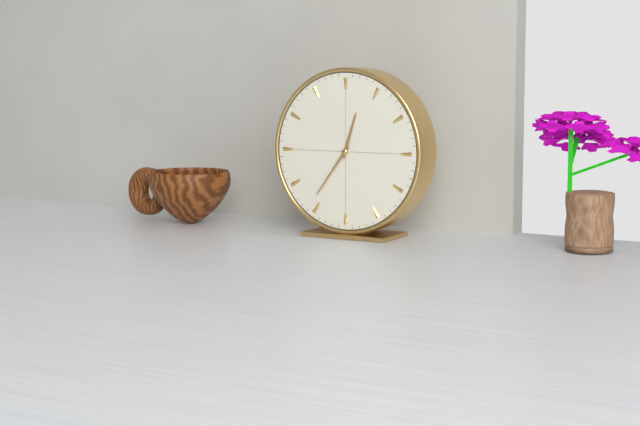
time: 12:36
